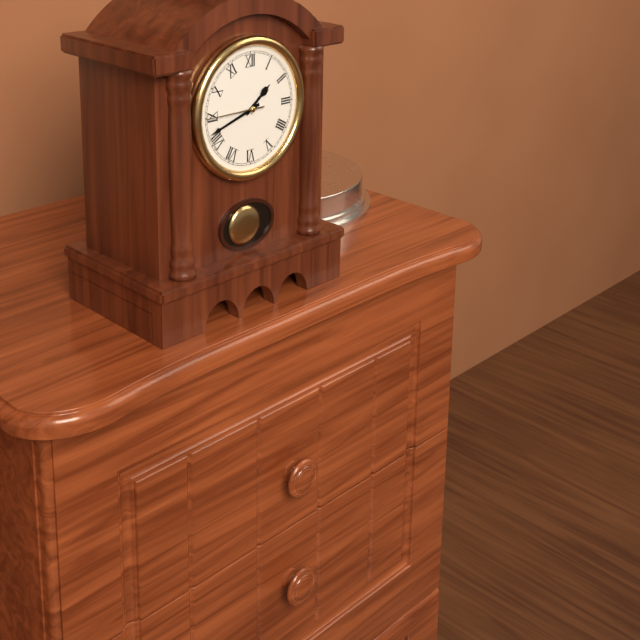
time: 1:42:45
